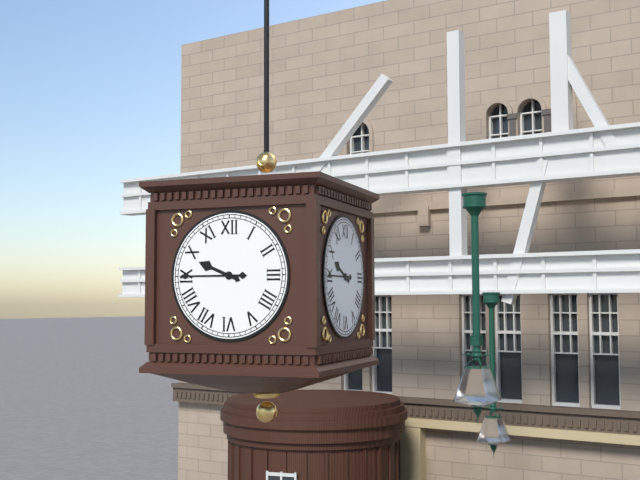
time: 9:45
